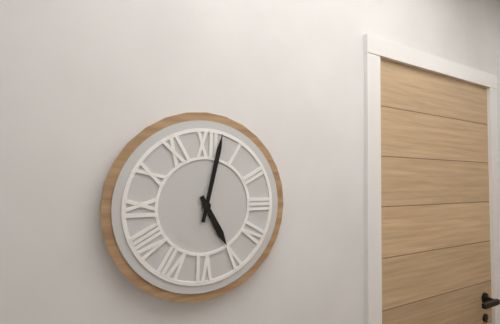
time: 5:02
